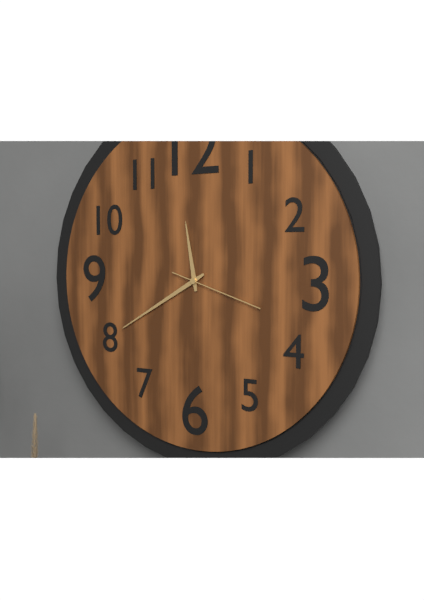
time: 11:40:18
